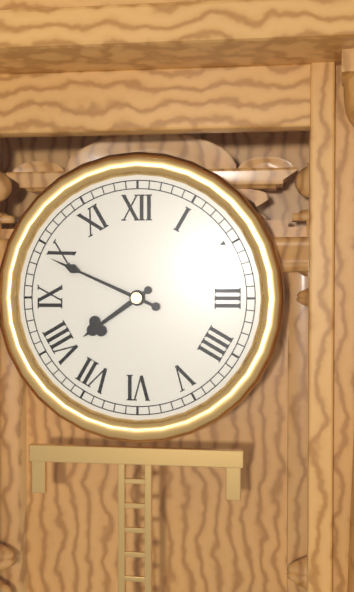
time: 7:49
